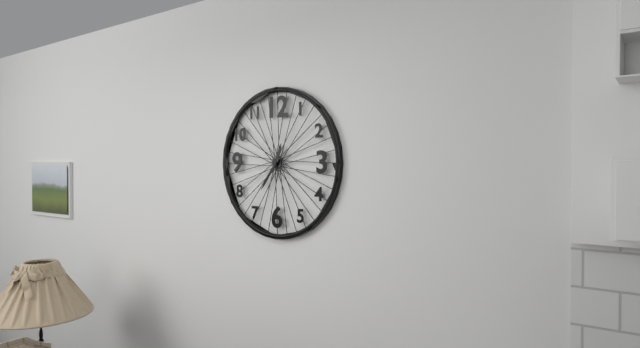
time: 12:36
